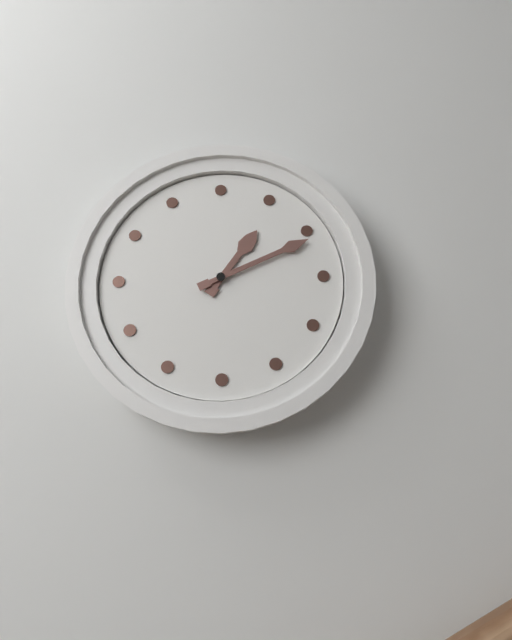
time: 1:11
